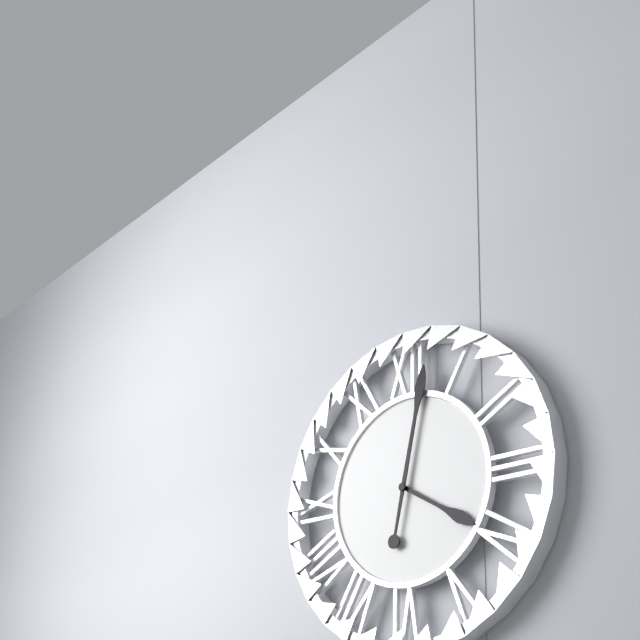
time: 4:02
